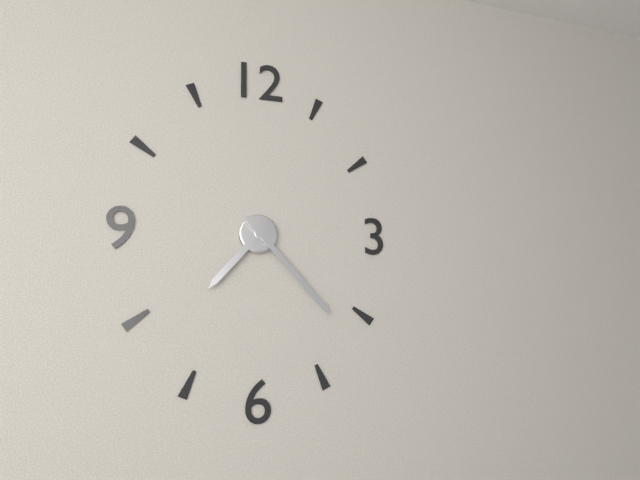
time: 7:23
